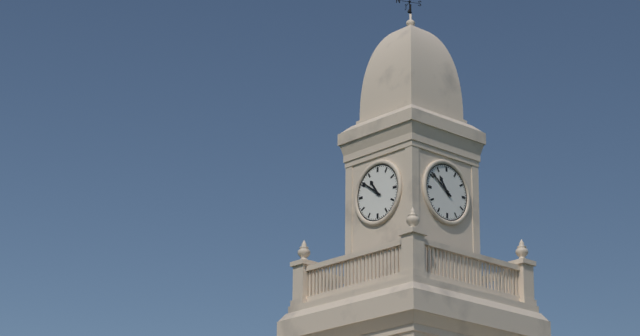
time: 10:51
